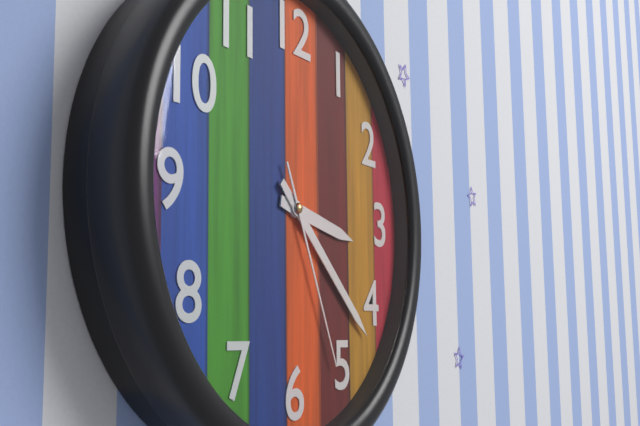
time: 3:22:26
